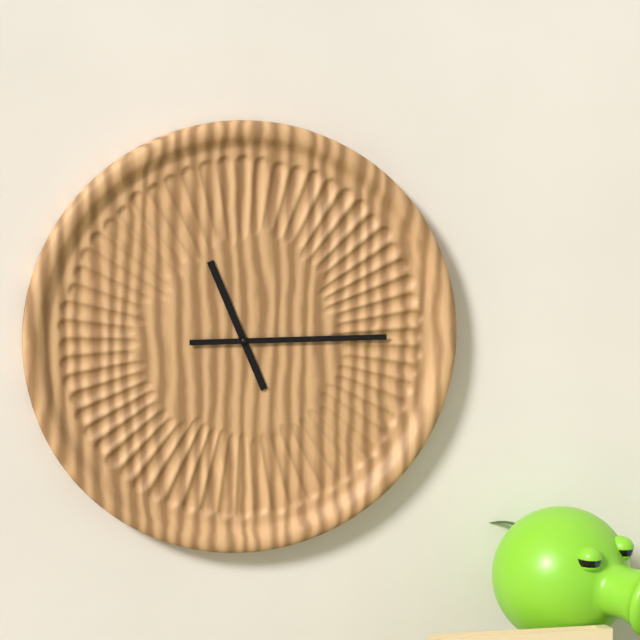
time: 11:15
